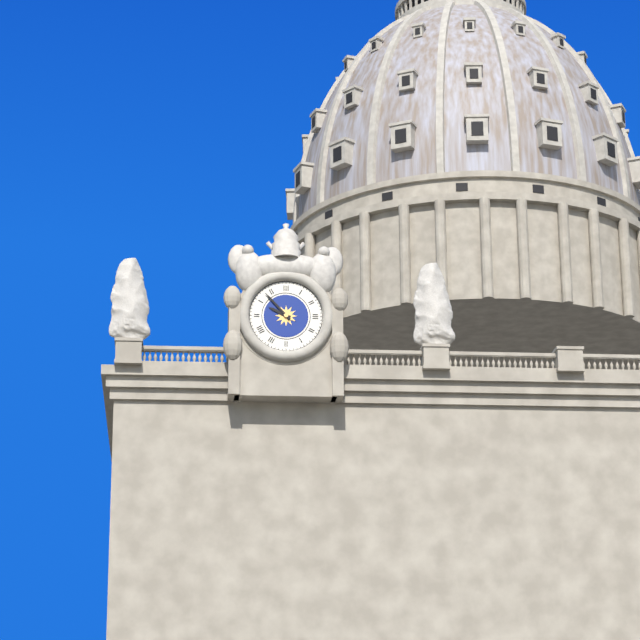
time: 9:53
